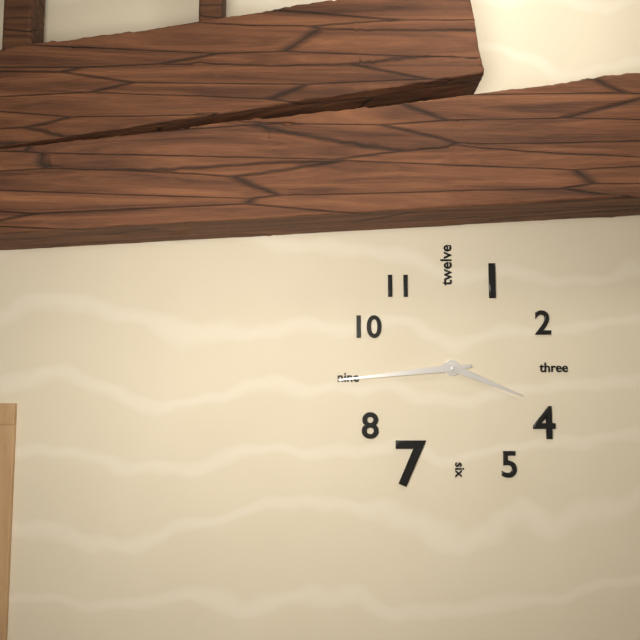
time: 3:44
